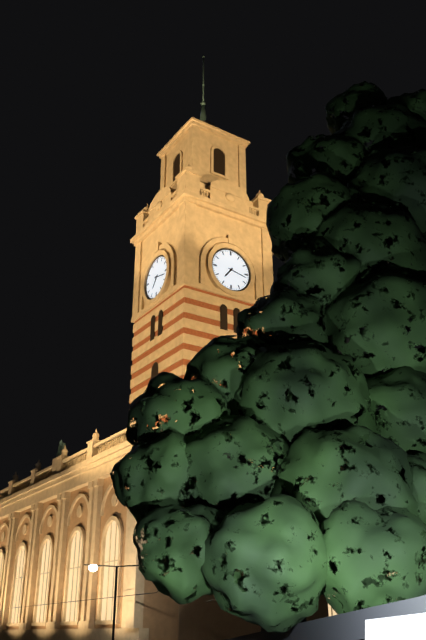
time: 7:17
